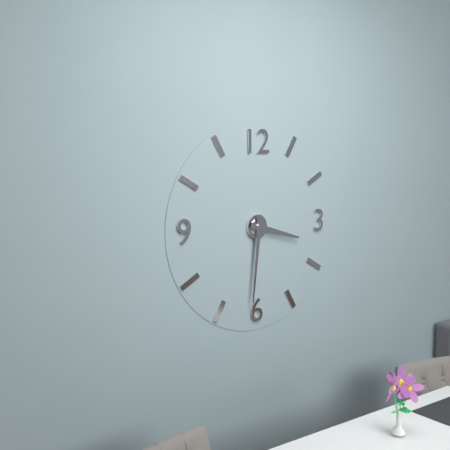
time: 3:31
